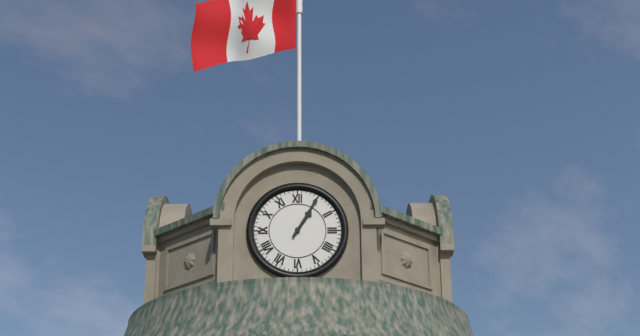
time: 1:05
